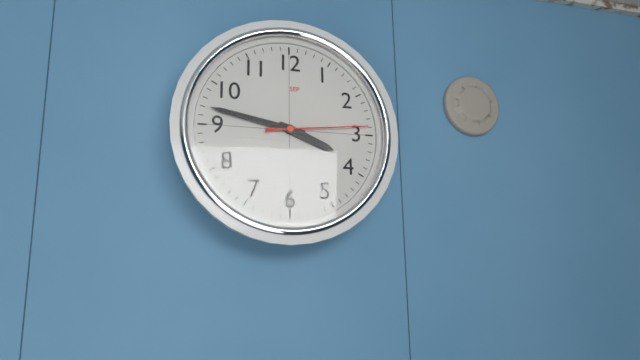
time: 3:47:14
